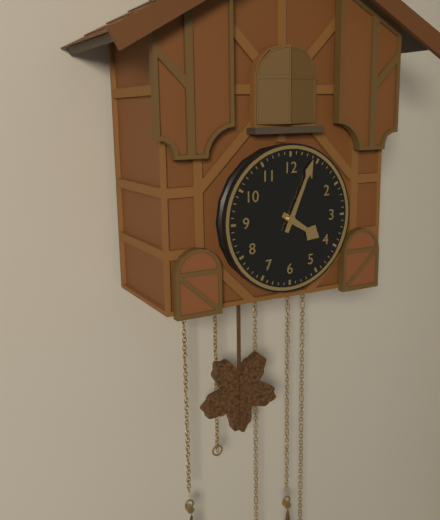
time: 4:04
